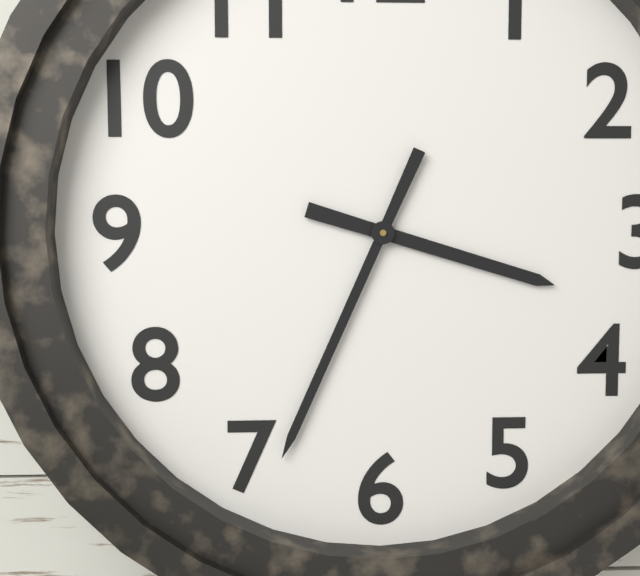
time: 3:34
